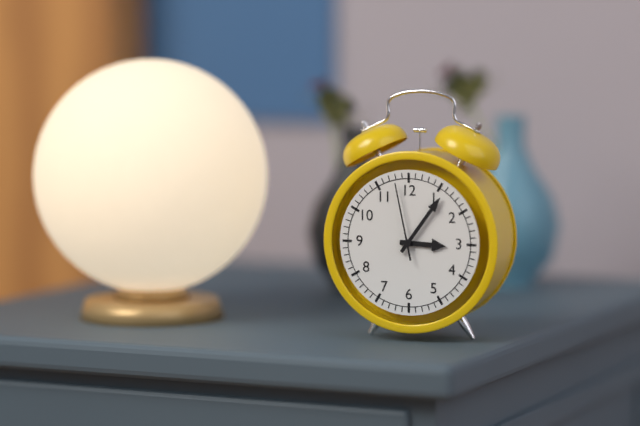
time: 3:06:58
